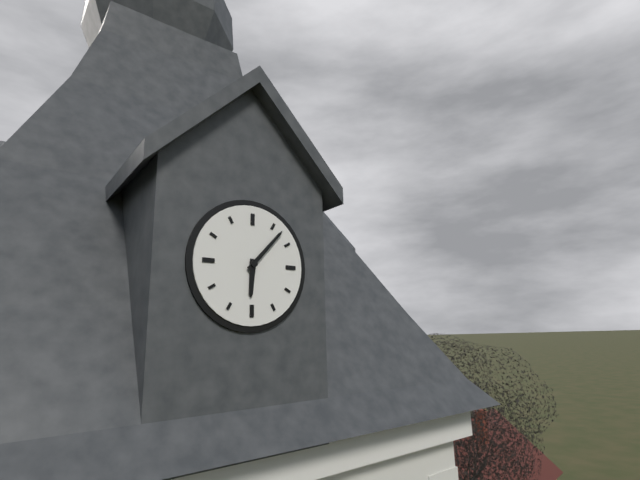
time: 6:07
